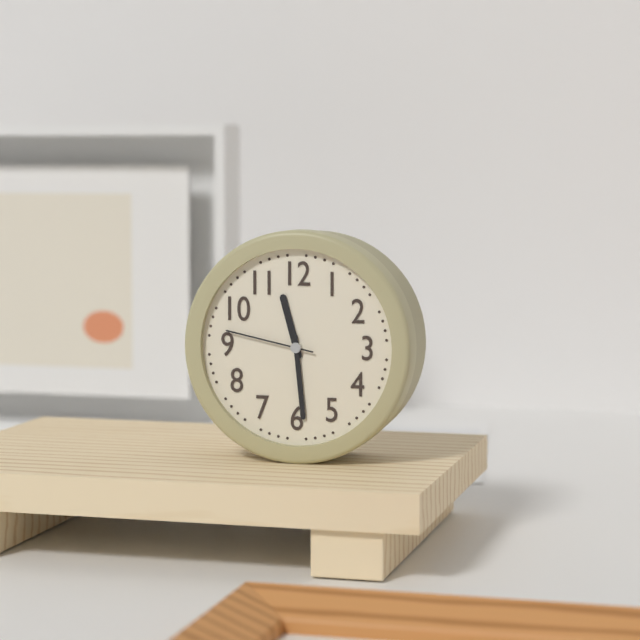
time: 11:29:47
